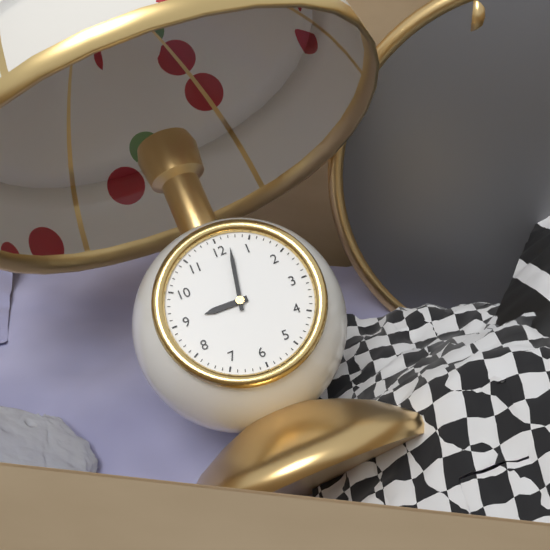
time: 9:02
